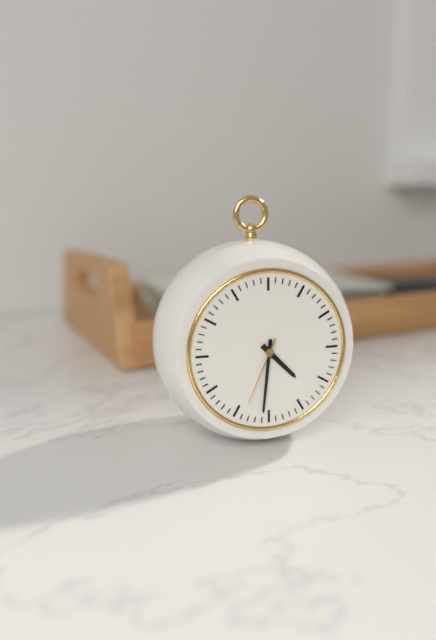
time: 4:31:34
